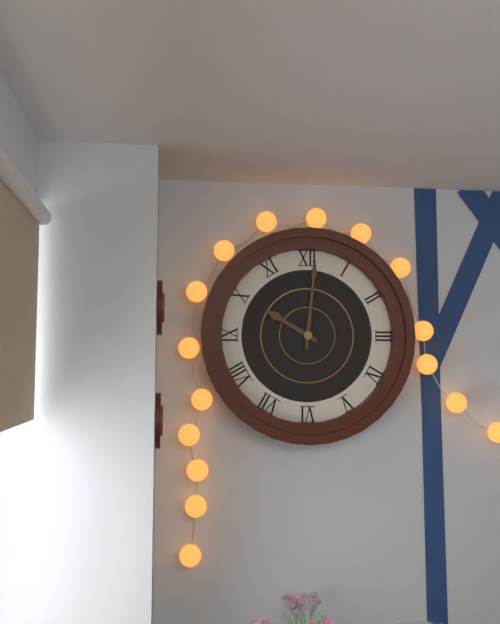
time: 10:01
